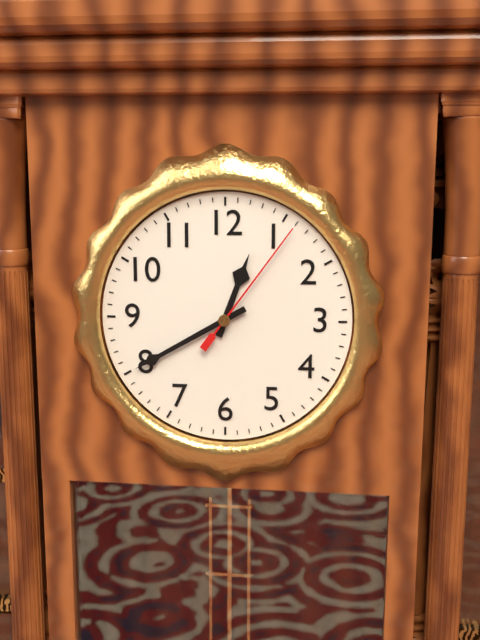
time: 12:40:06
